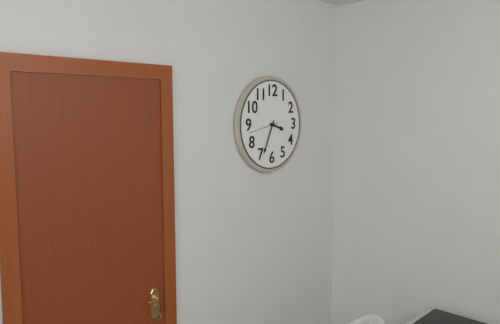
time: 3:34
